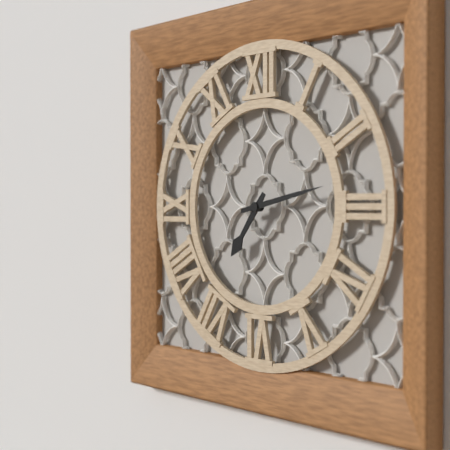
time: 7:13
